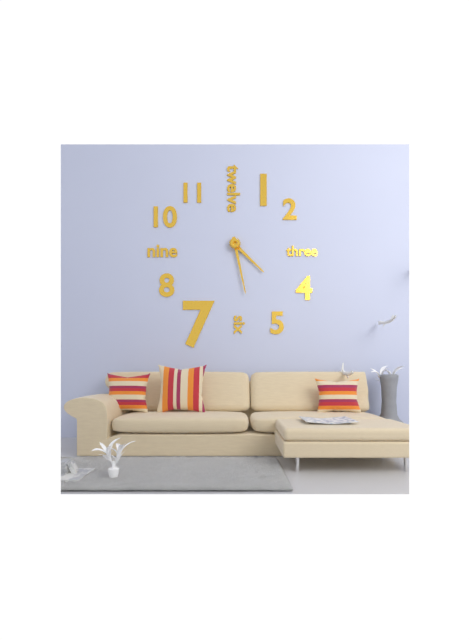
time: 4:28
